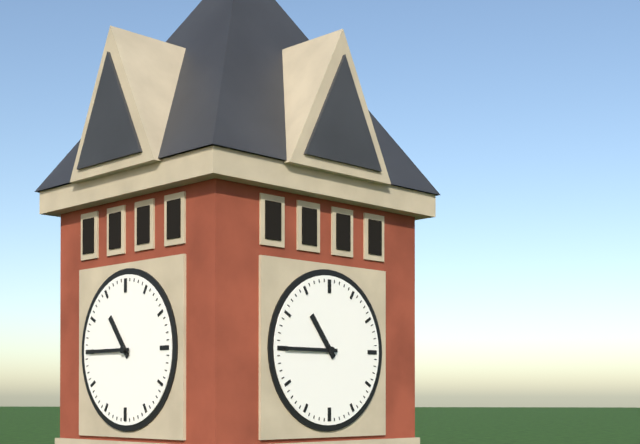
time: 10:45
